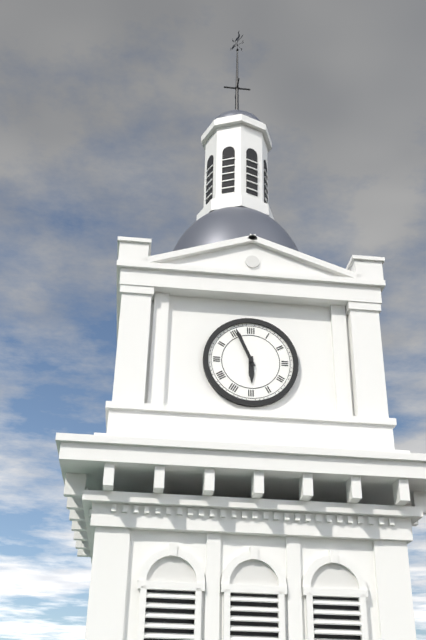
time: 5:56
